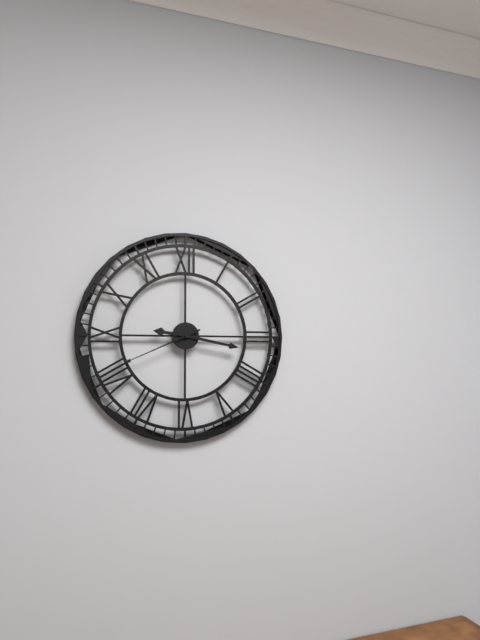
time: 9:17:41
